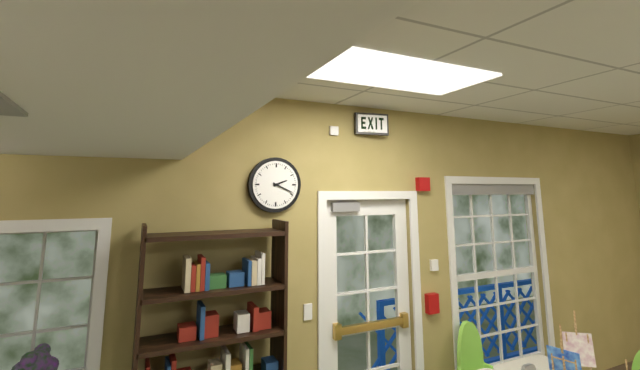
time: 2:19
